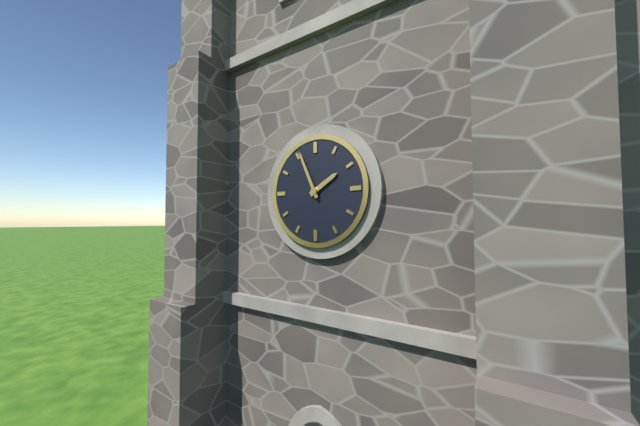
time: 1:56
